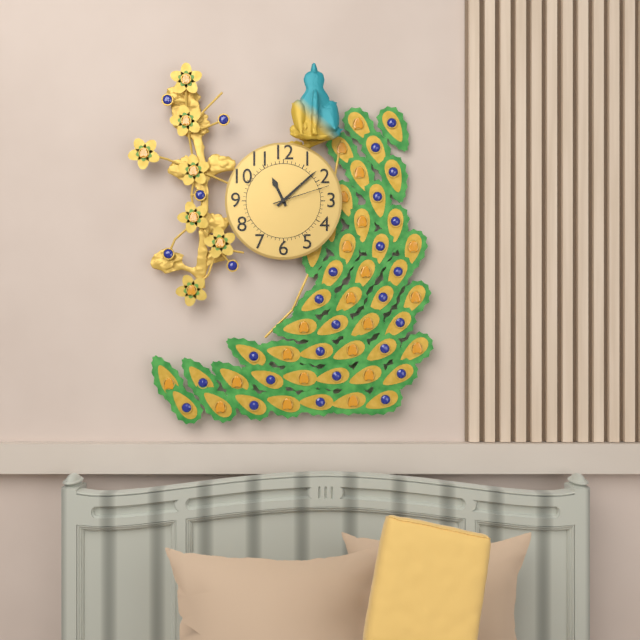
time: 11:08:12
